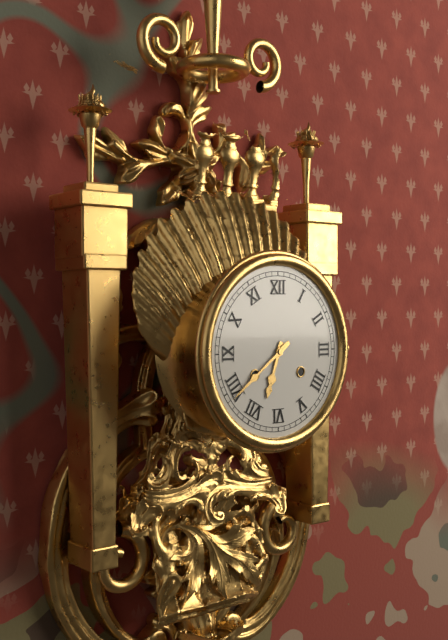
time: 6:39
